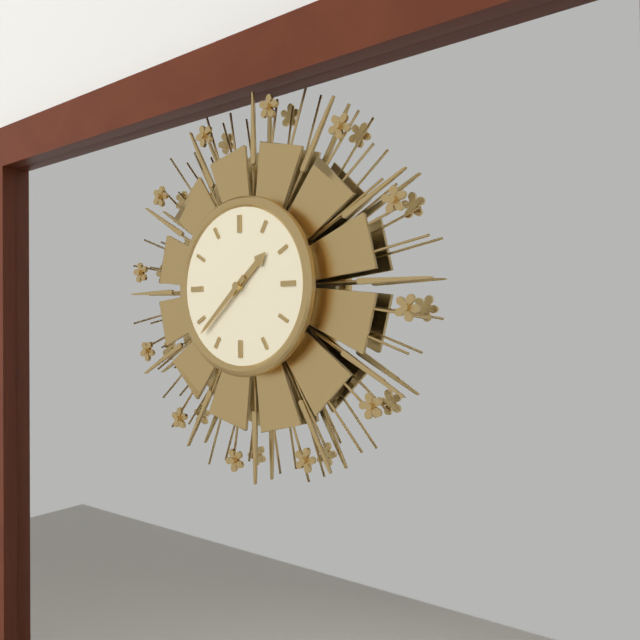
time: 1:38
